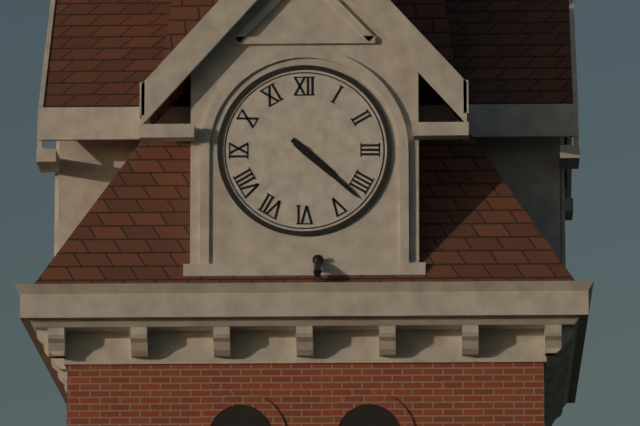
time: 4:22
